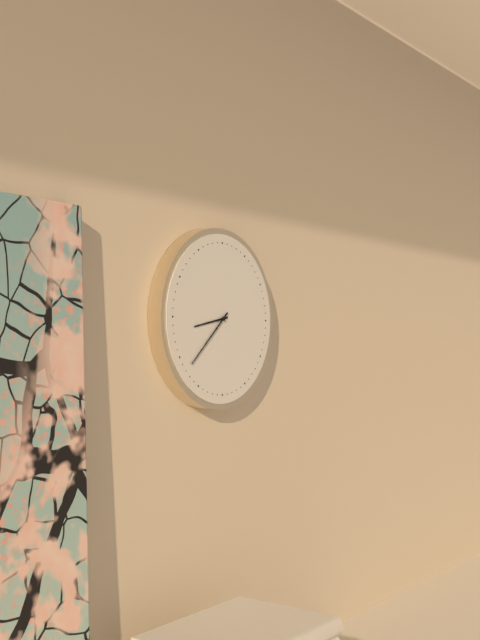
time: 8:38
